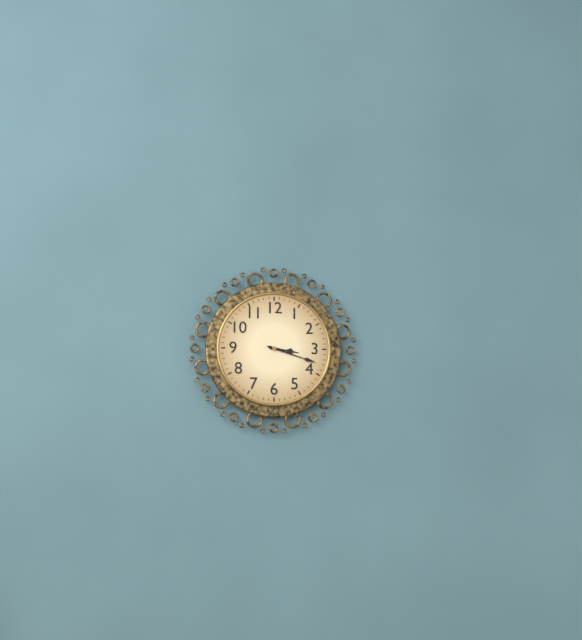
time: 3:18
